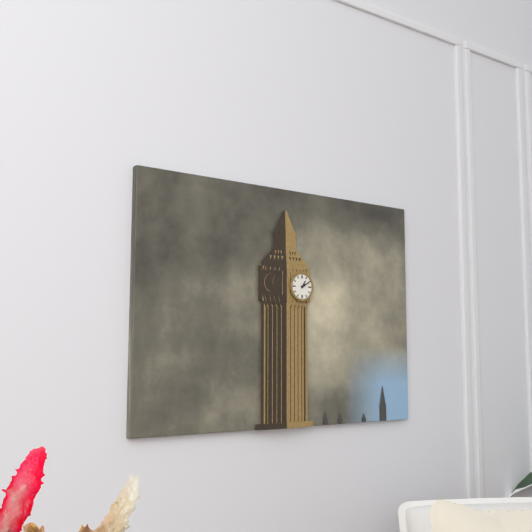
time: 1:10
